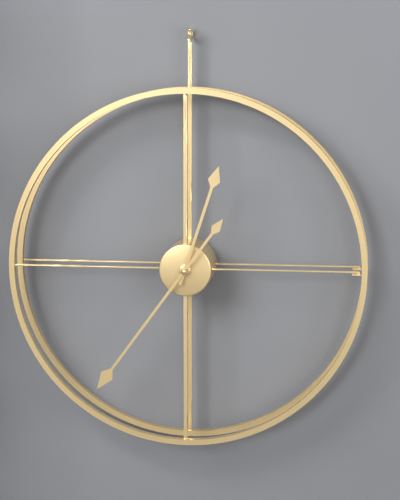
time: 12:36
